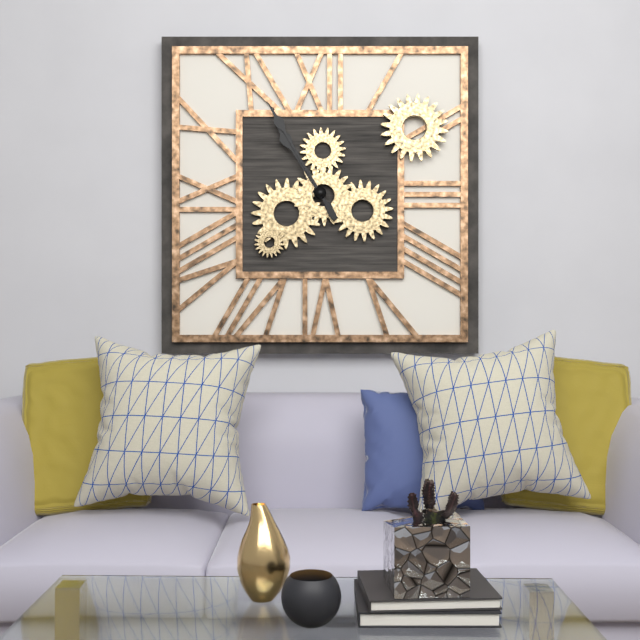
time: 10:55
